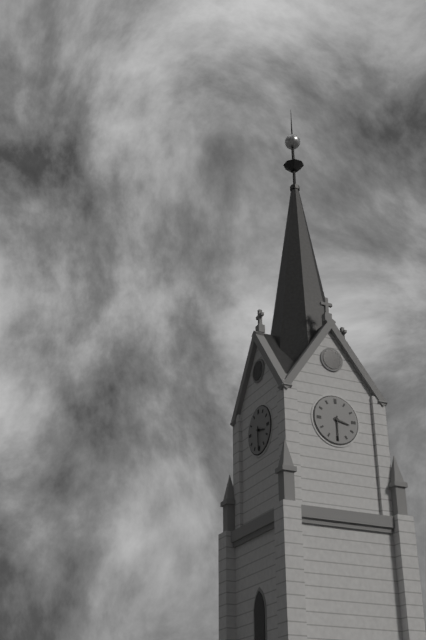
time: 3:30
